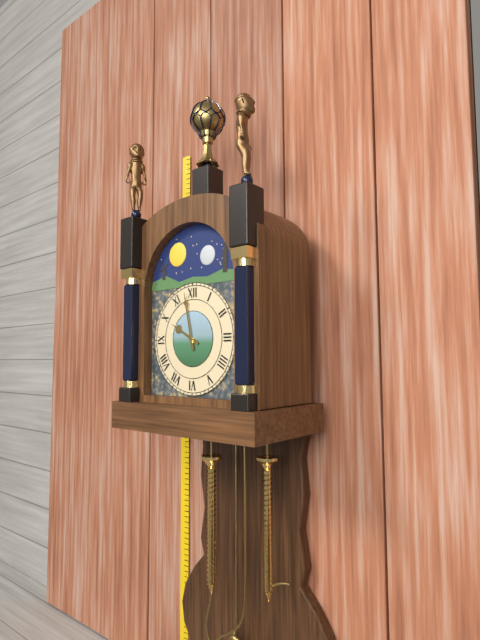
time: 9:58
